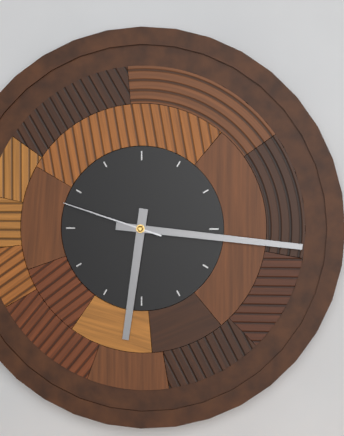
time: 6:16:48
